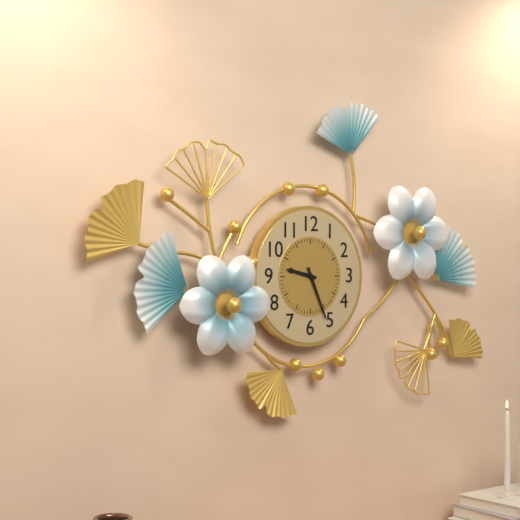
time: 9:26
